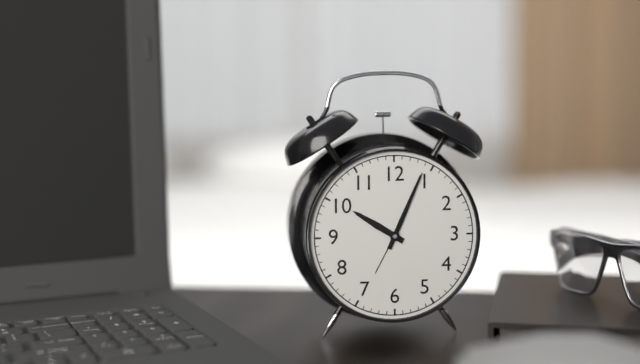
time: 10:04
